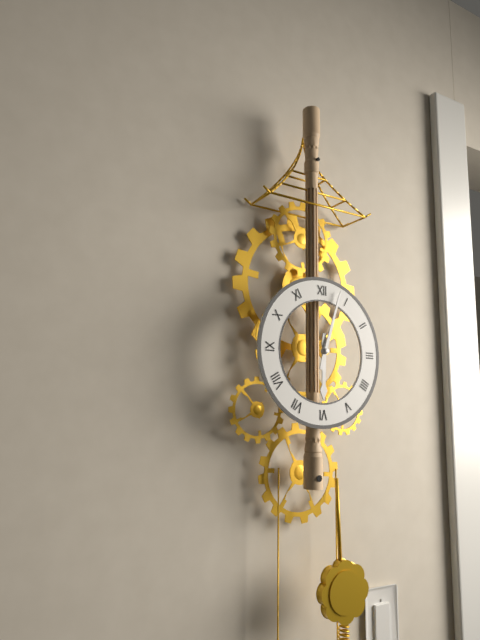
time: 6:03
